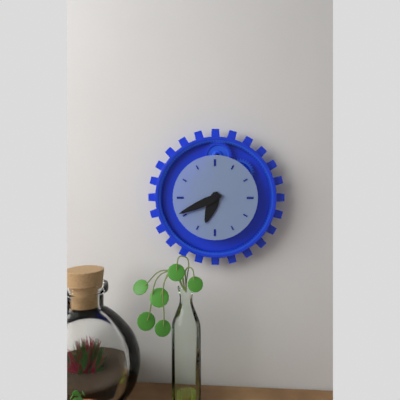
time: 6:41
